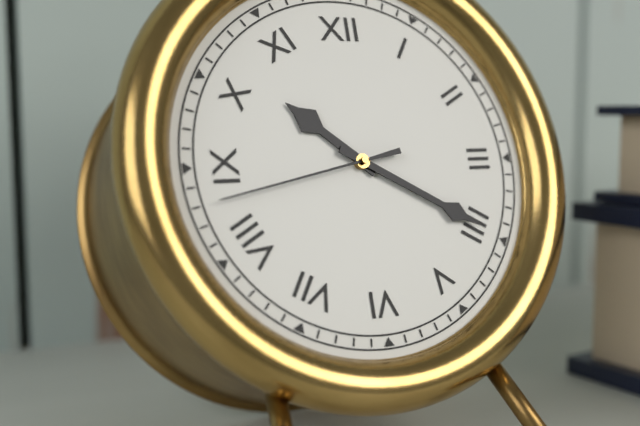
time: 10:20:43
